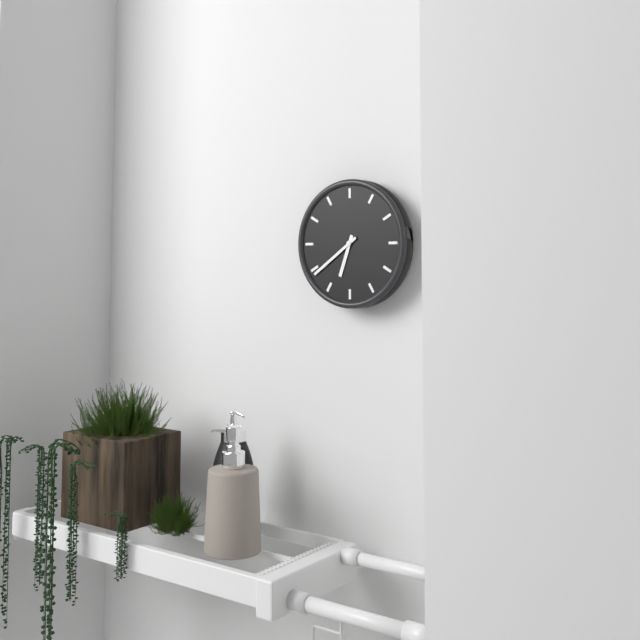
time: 6:39
